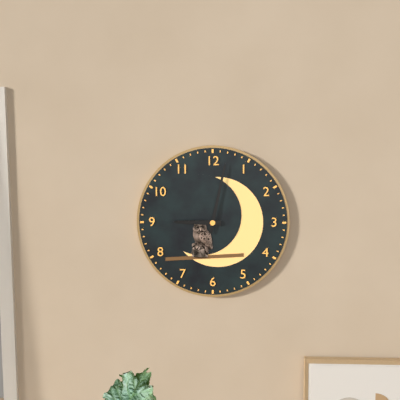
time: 9:02
